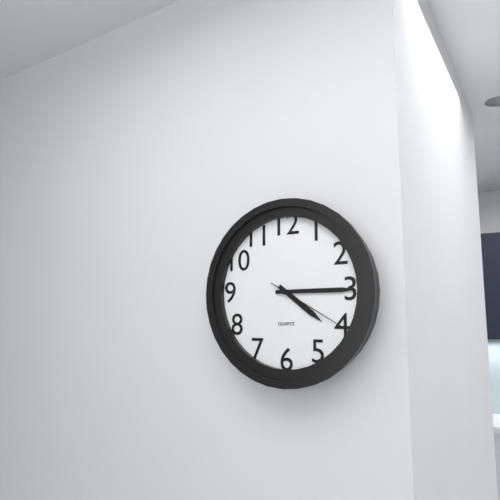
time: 4:15:20
